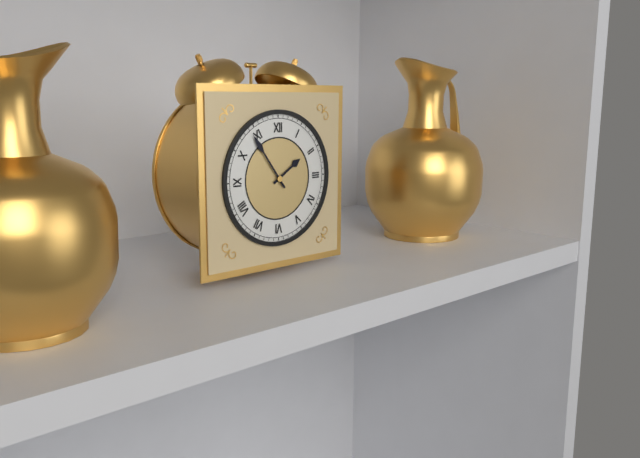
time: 1:54
